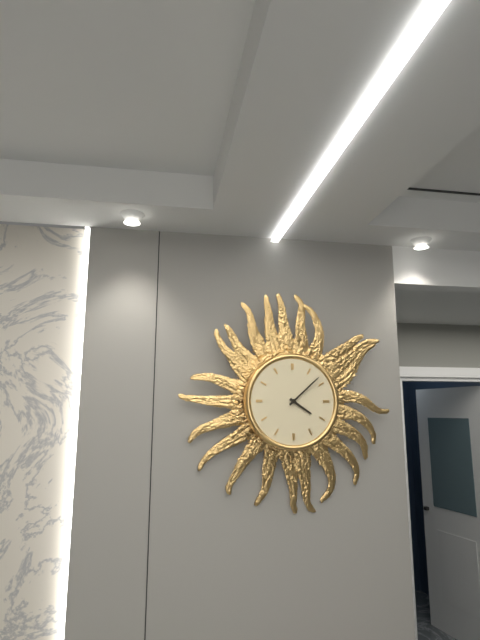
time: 4:08
